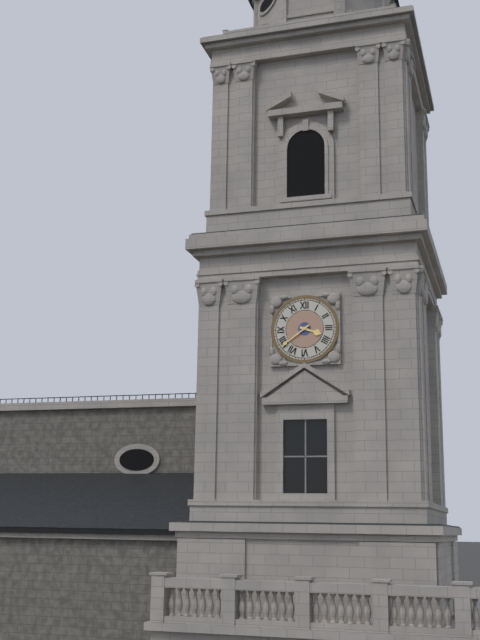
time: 3:39
